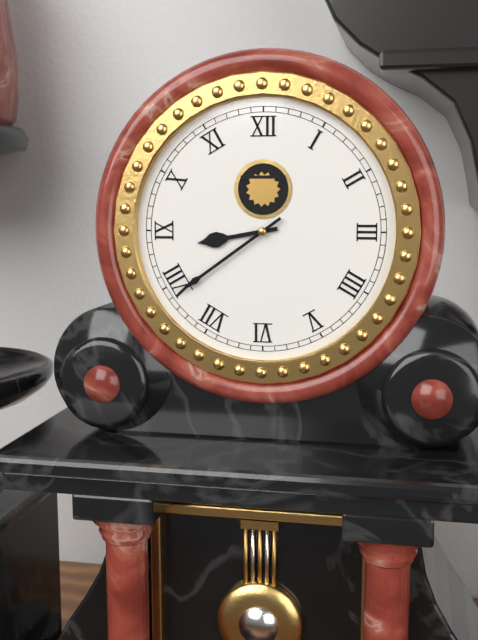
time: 8:39
